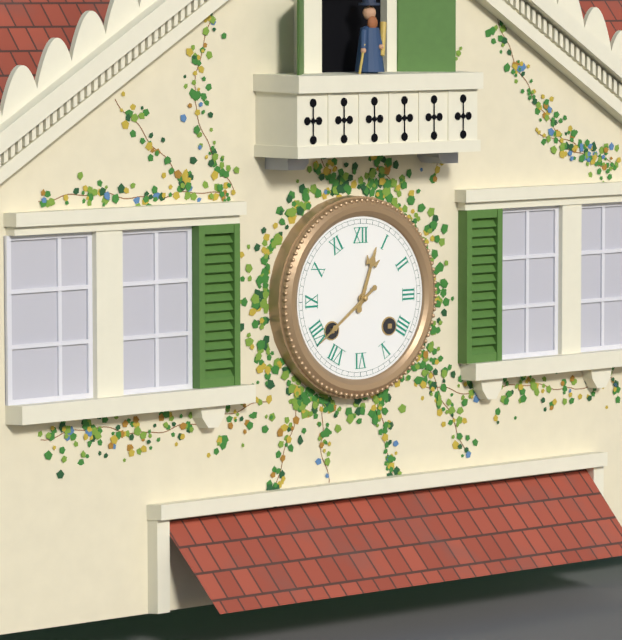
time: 12:39
